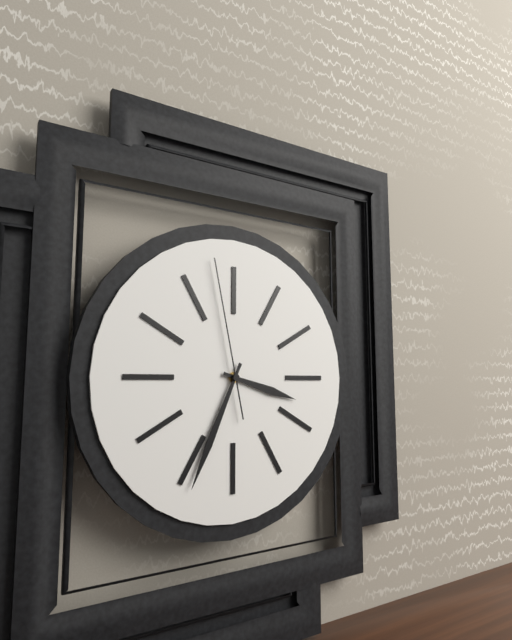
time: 3:34:58
